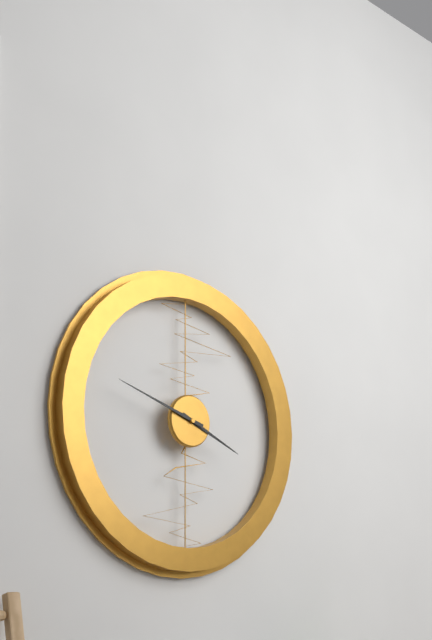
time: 3:48
